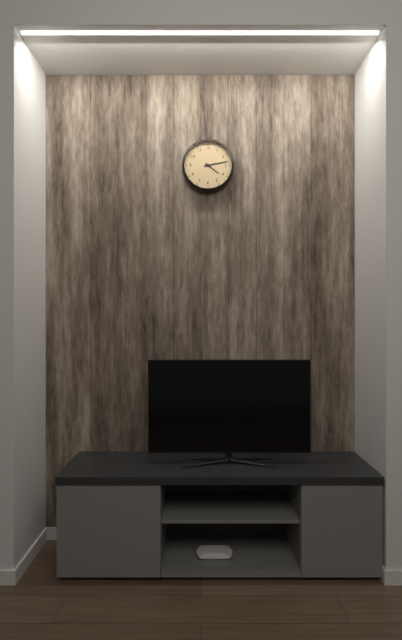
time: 4:13
